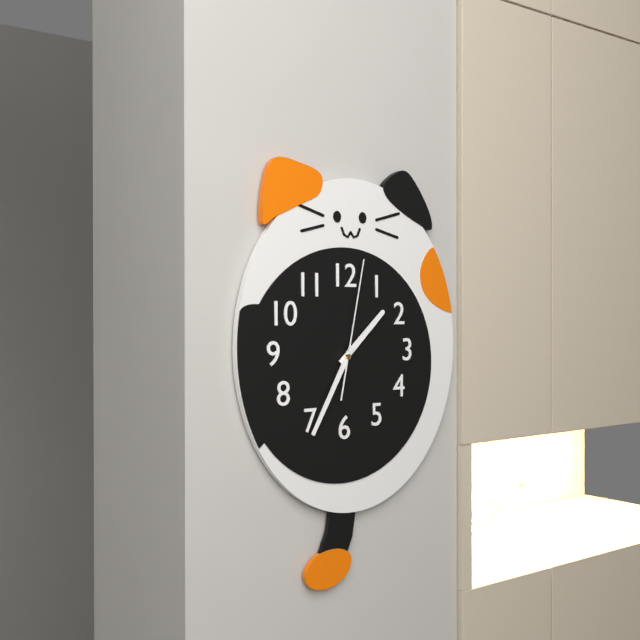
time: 1:35:02
